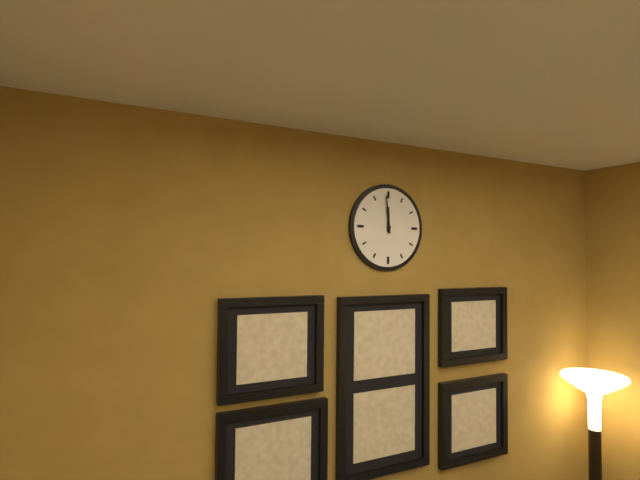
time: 11:59
